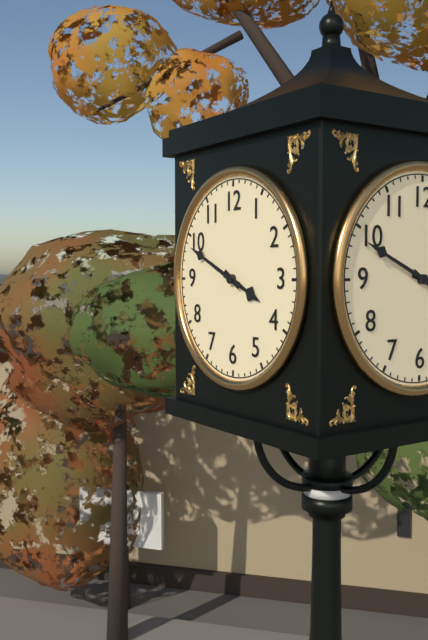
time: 3:49
